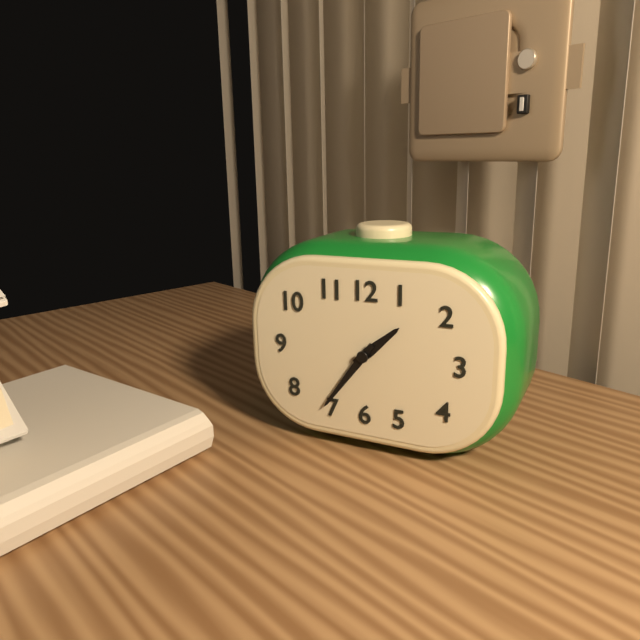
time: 1:36
